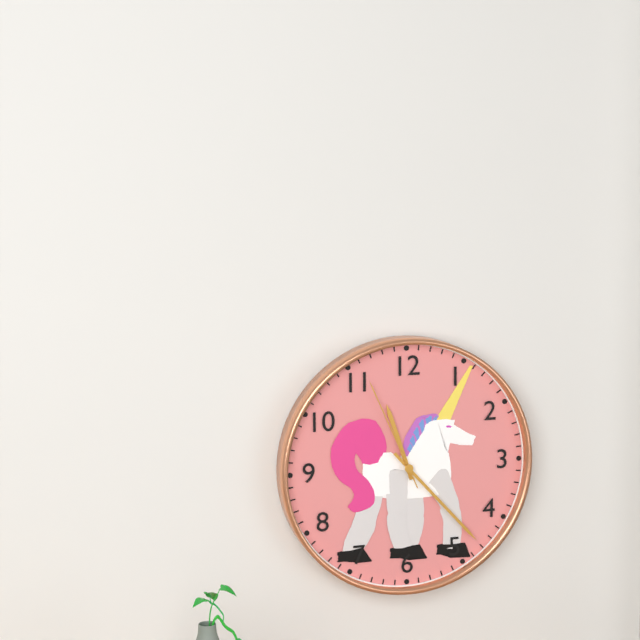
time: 11:23:56
